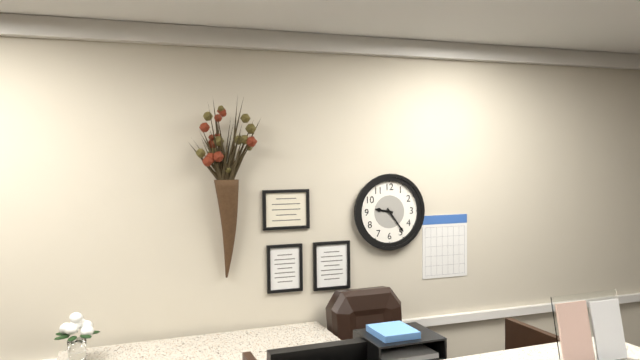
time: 9:24
